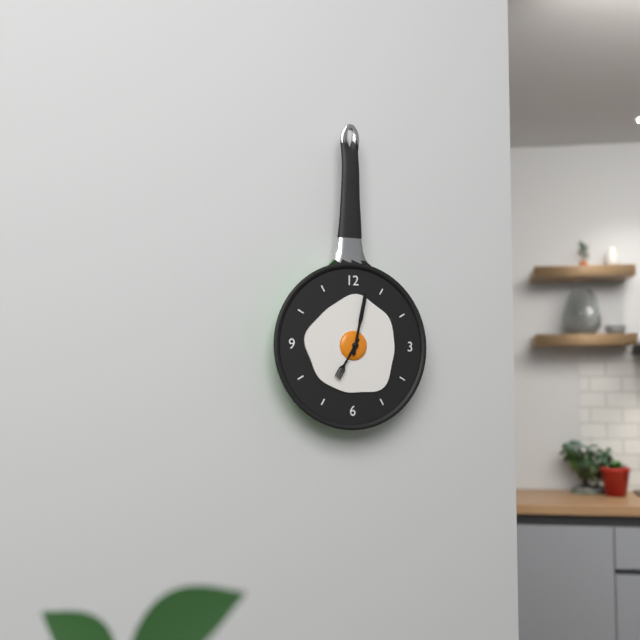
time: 7:02
